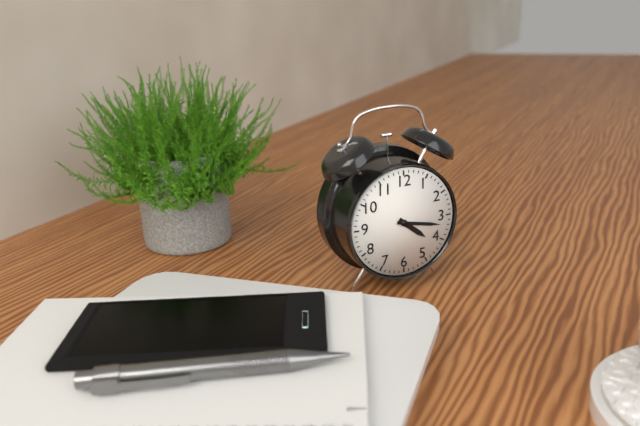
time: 4:17
